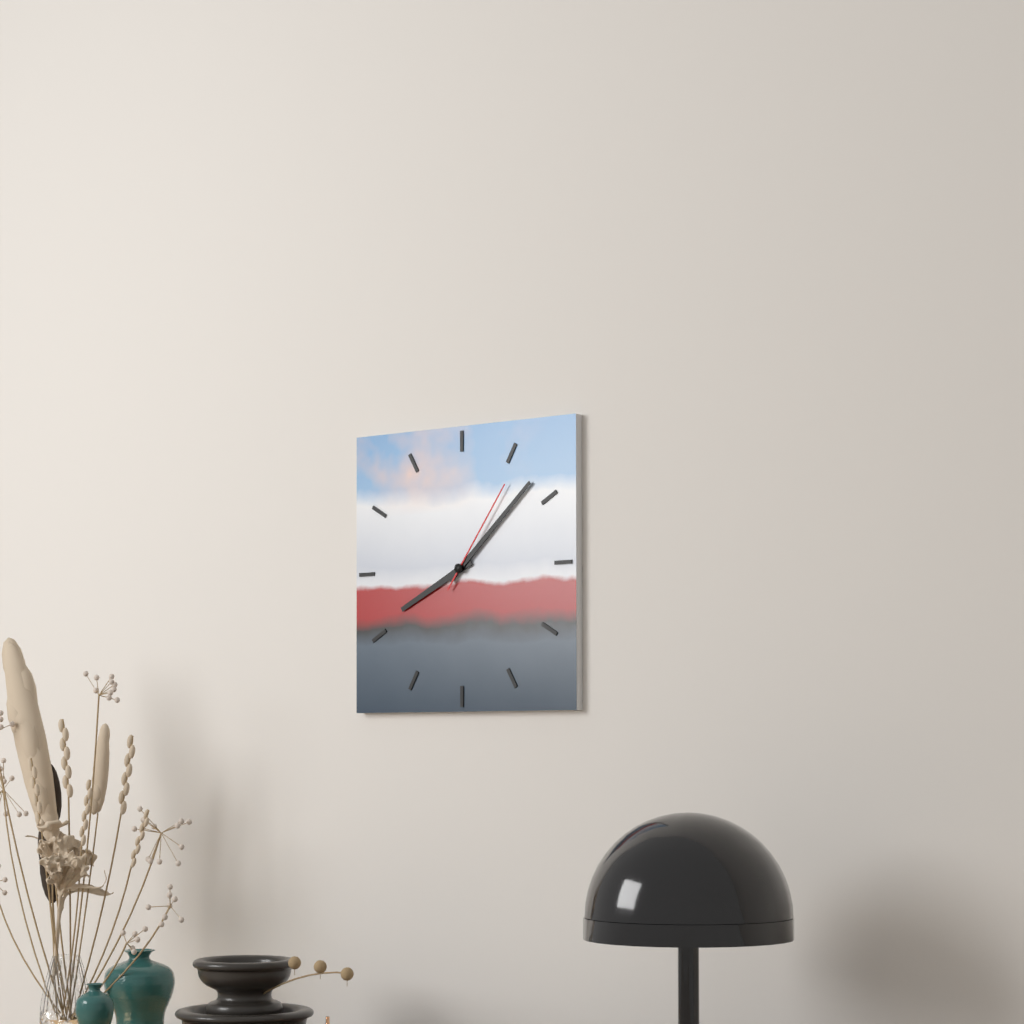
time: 8:08:06
